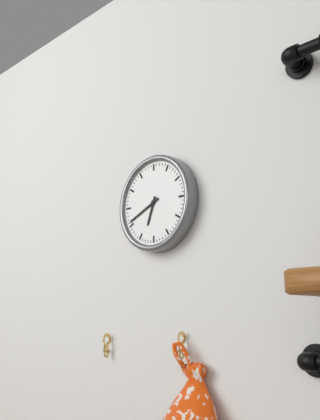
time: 6:41
